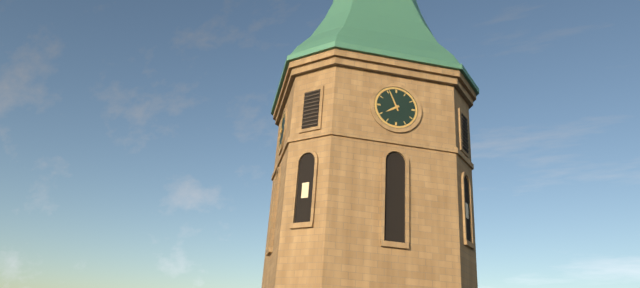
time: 7:56
